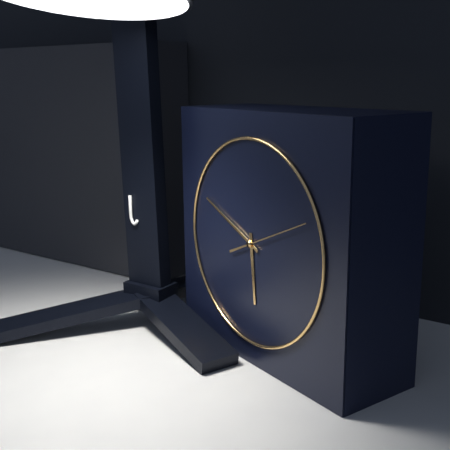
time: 5:49:11
